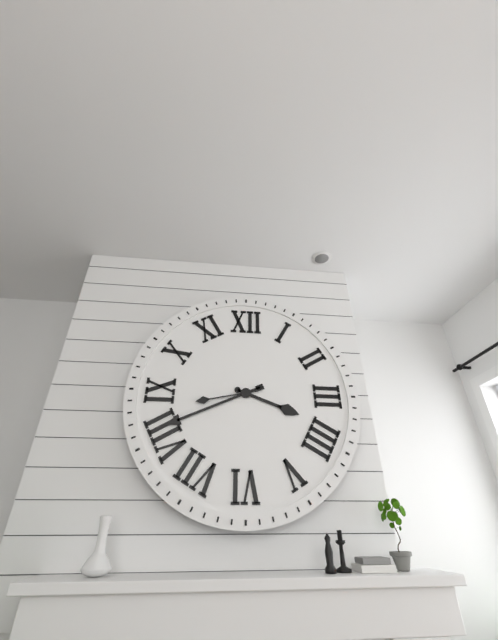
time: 3:41:43
